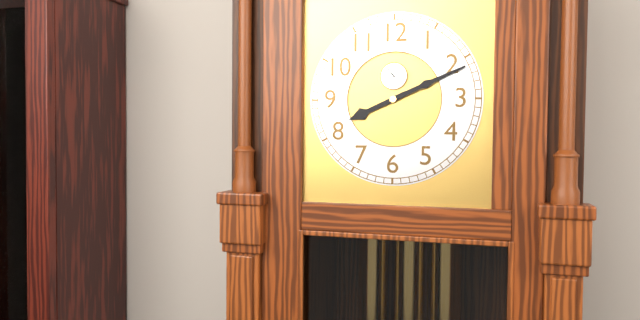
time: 8:11
